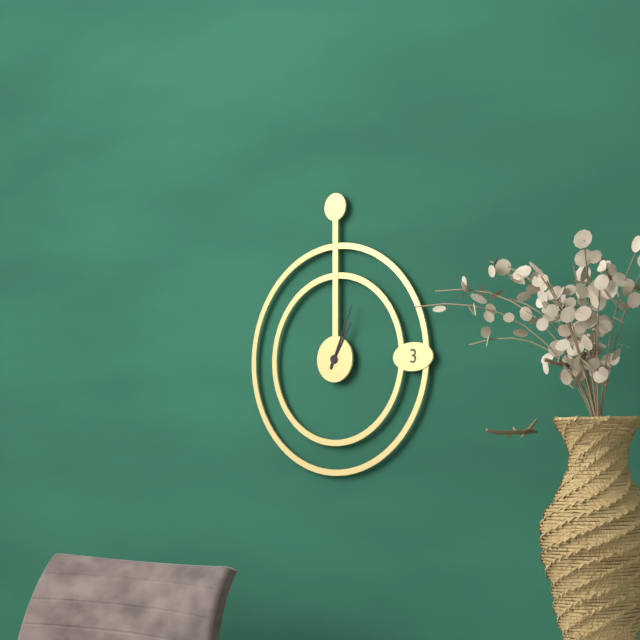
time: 1:04
